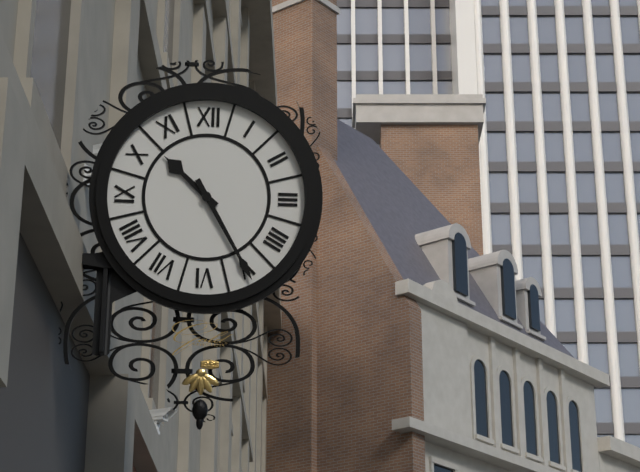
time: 10:25
